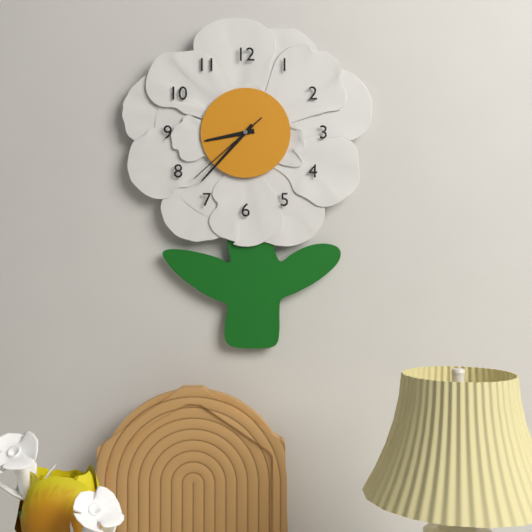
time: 8:37:38
